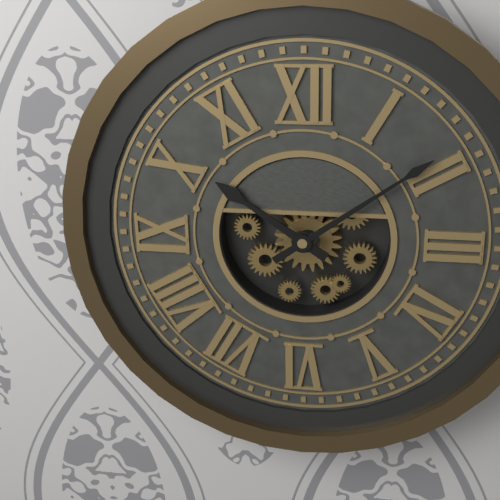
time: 10:09
